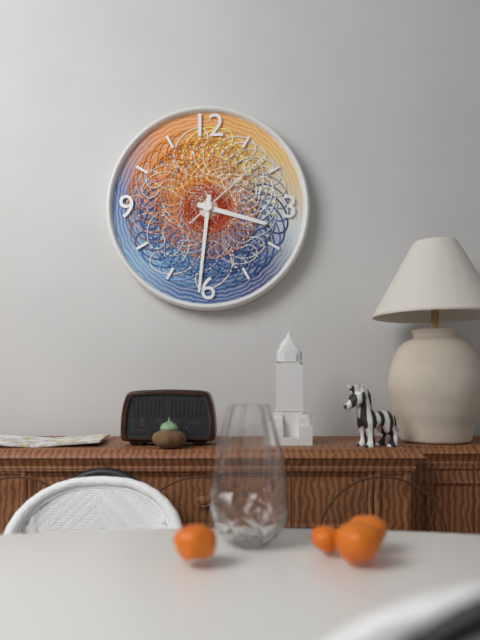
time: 3:31:08
